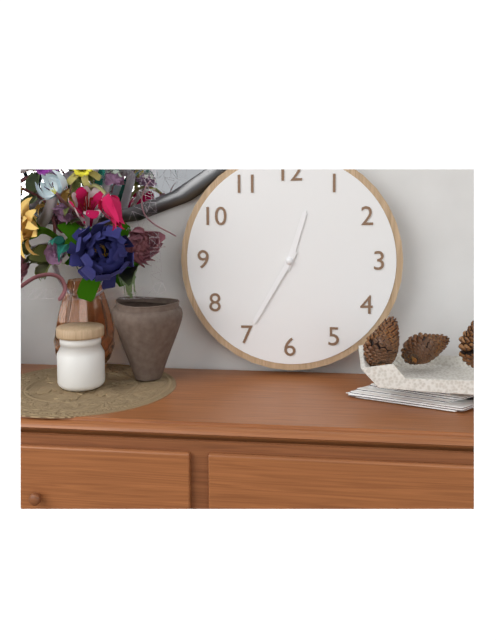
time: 12:35
